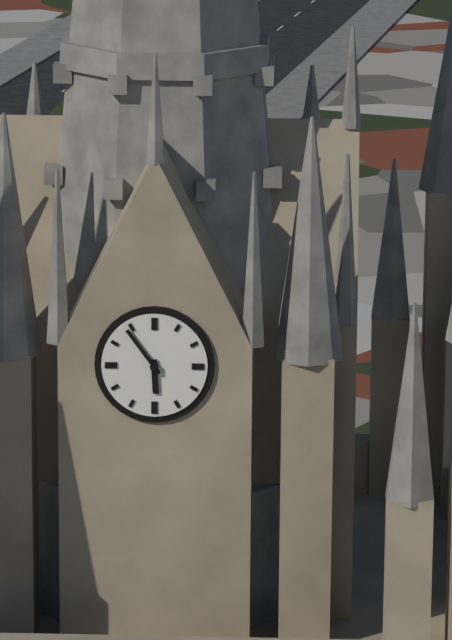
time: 5:54
